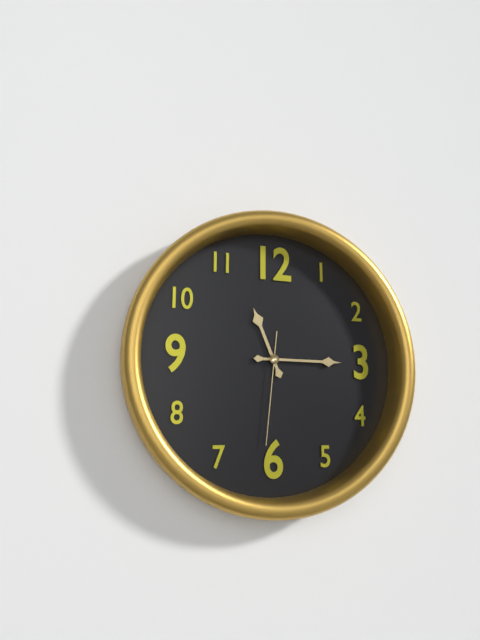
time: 11:15:31
